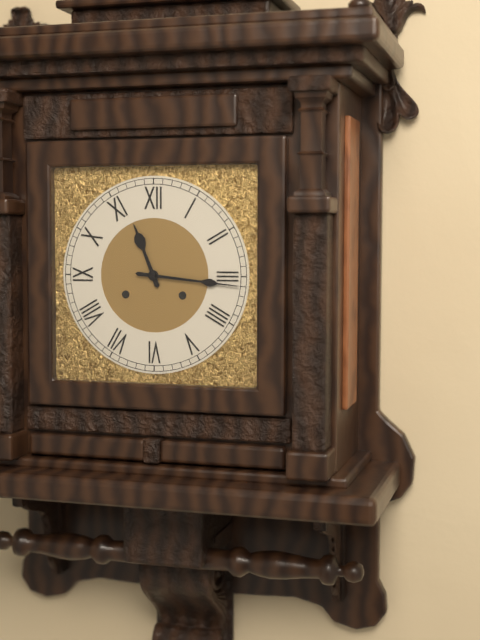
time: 11:16
